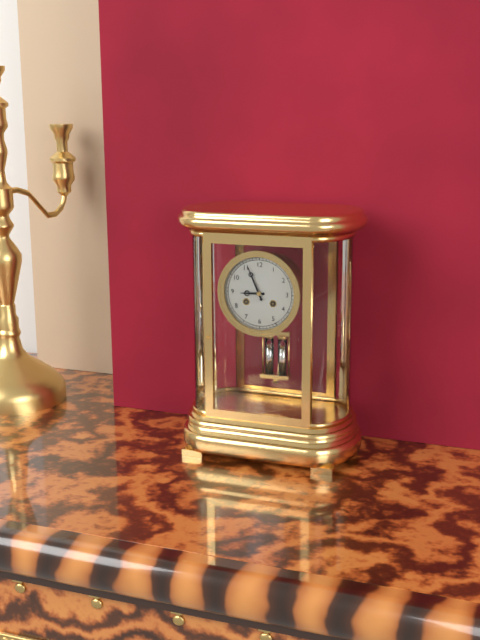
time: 8:56
